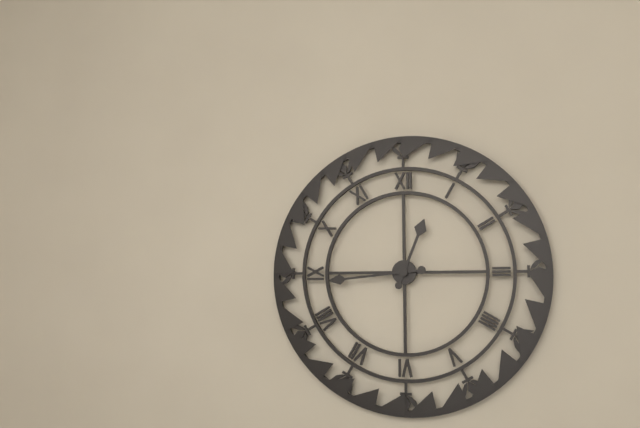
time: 12:44
